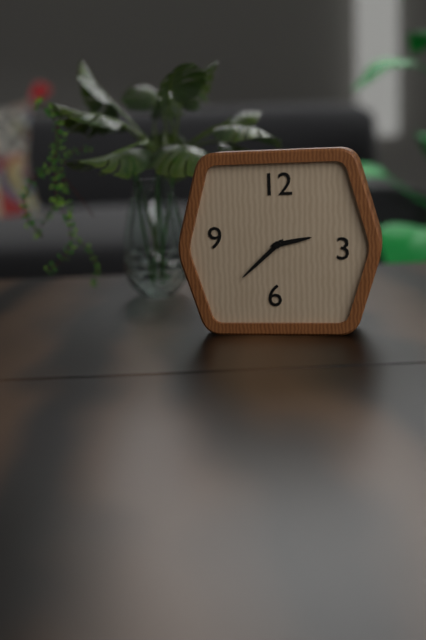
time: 2:38
